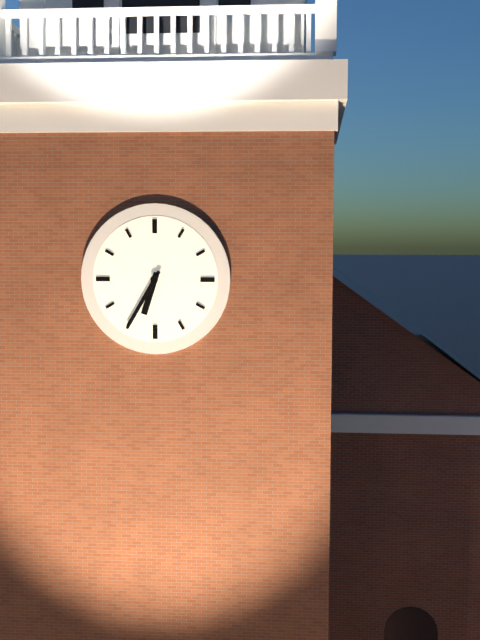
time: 6:35
